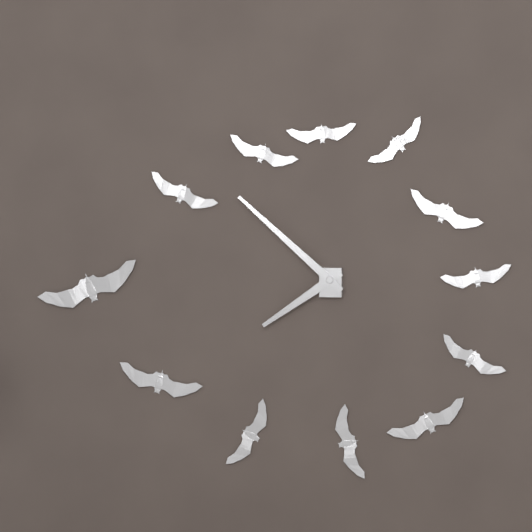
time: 7:52
